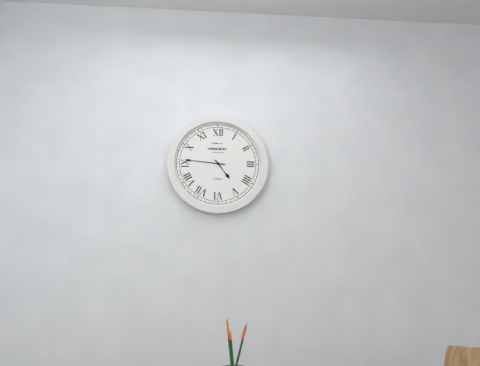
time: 4:46
